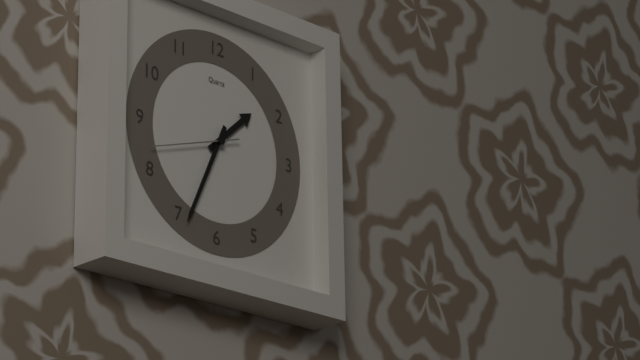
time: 1:34:42
